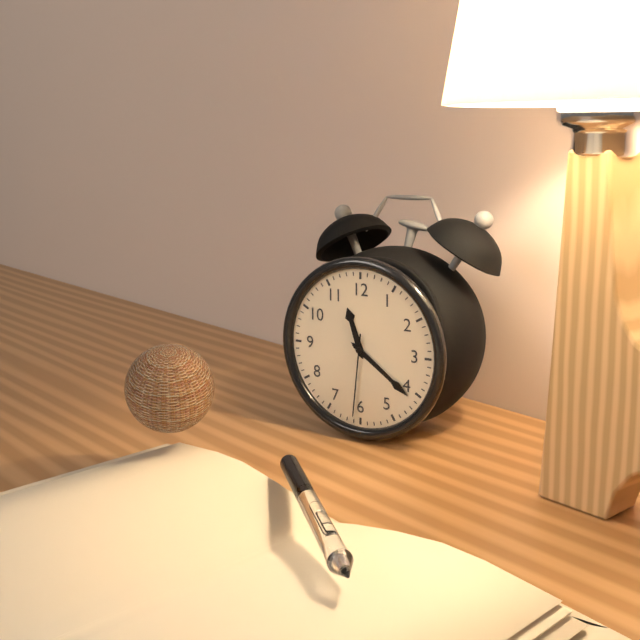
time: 11:21:31
